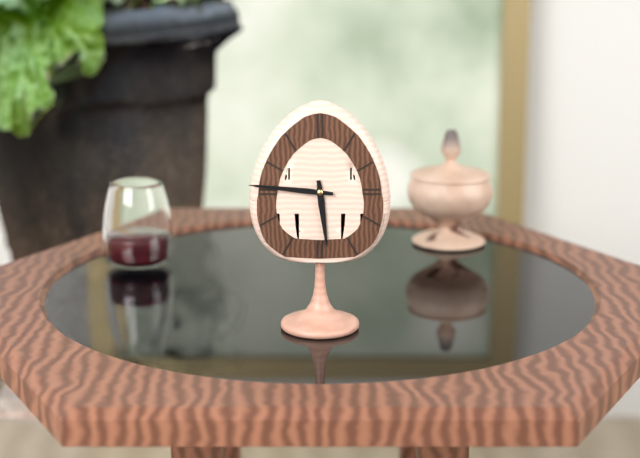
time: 5:46
